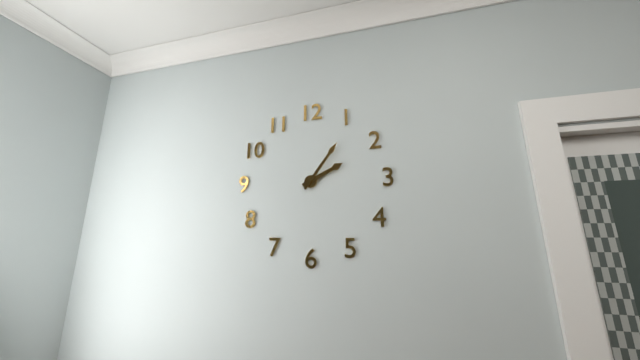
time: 2:06
